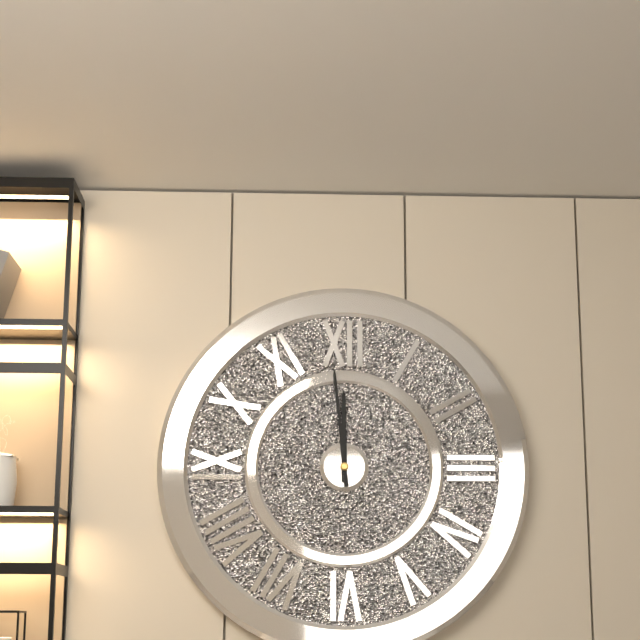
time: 11:59
